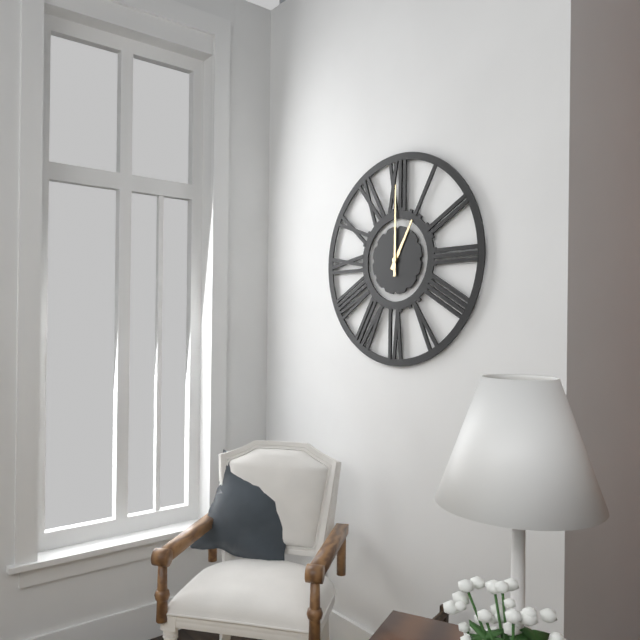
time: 1:00
